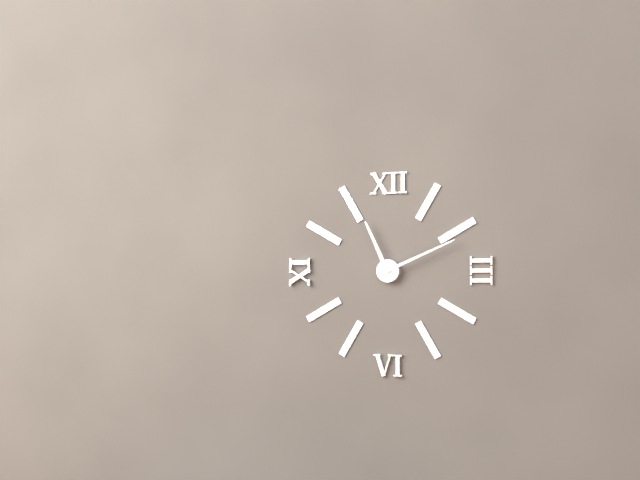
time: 11:11
